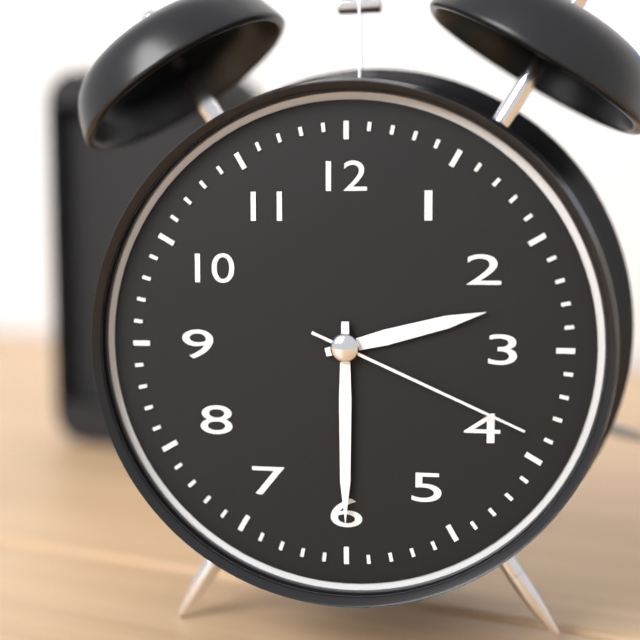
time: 2:30:19
